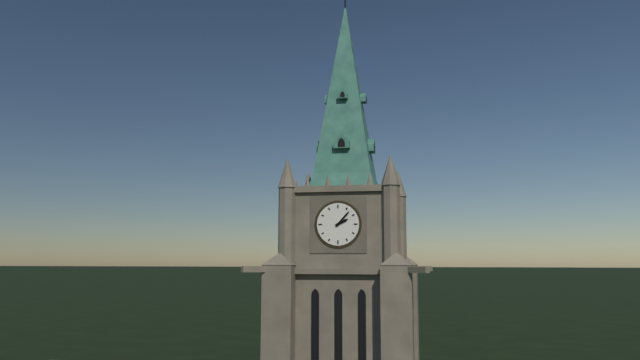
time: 2:07
